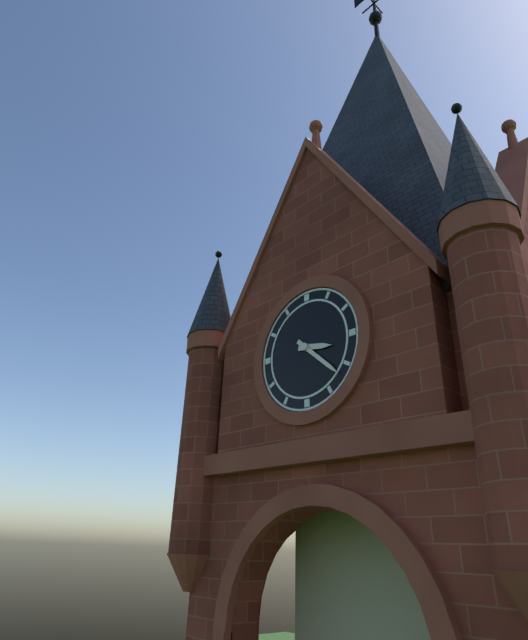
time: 3:22
